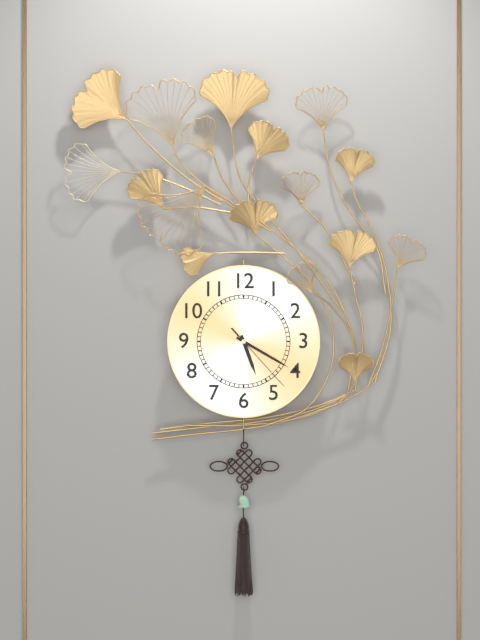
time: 5:20:23
